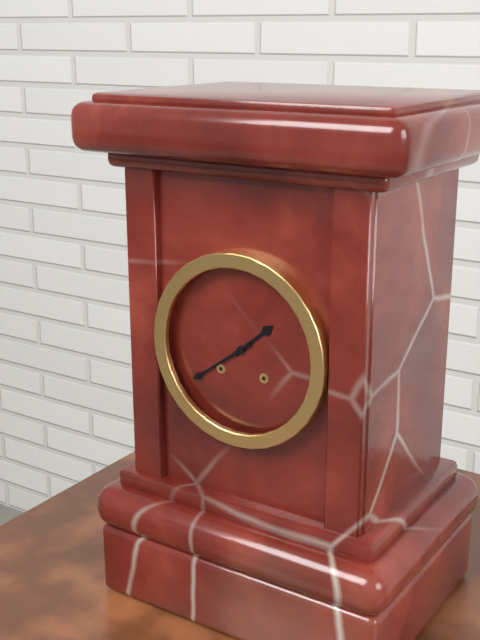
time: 1:39
